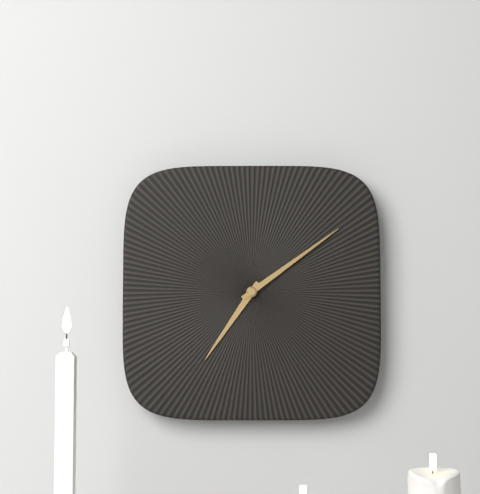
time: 7:09
